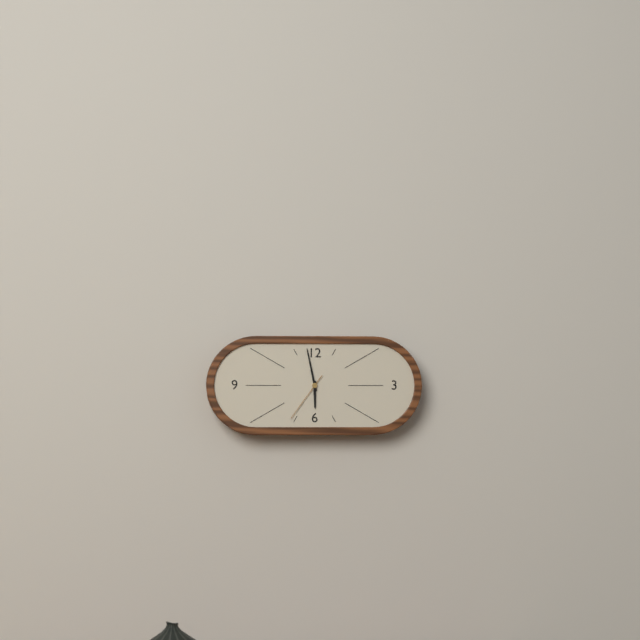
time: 5:58
